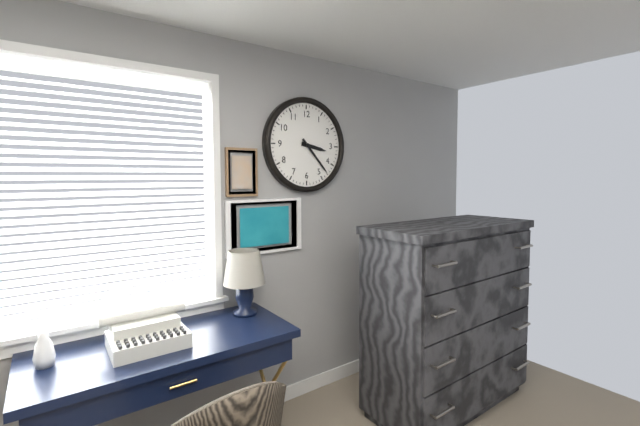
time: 3:23
